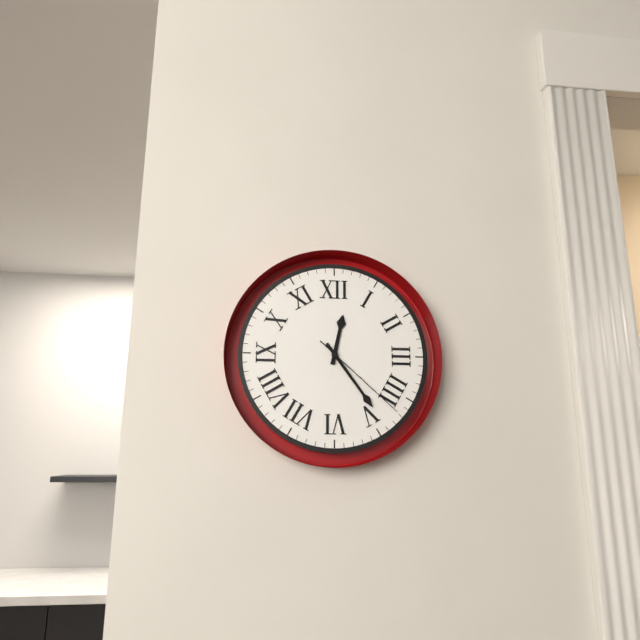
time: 12:24:22
